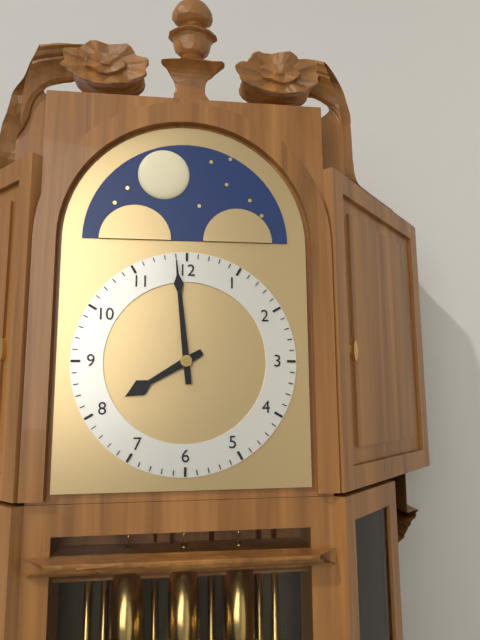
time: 7:59
